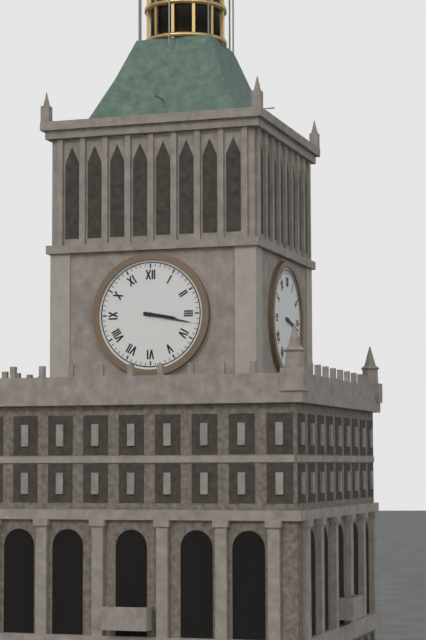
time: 3:17
